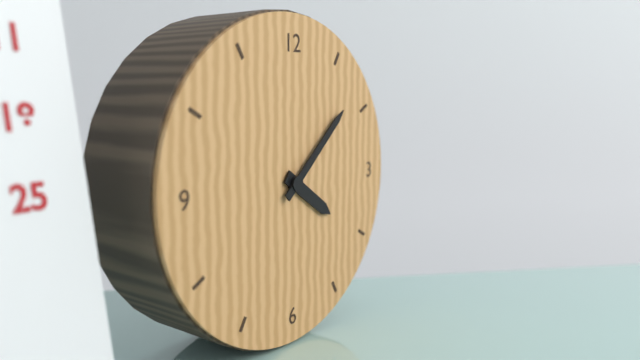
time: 4:08
